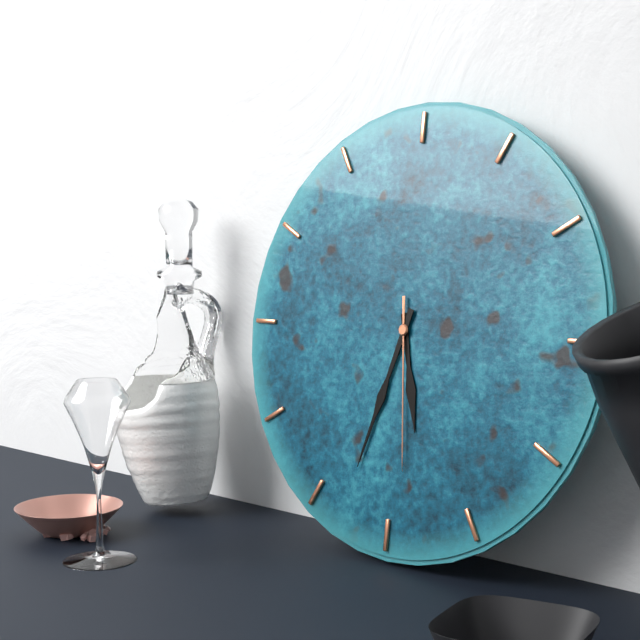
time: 5:33:29
